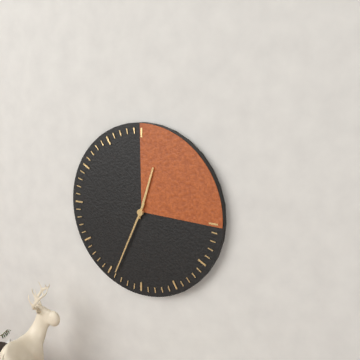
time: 12:34
